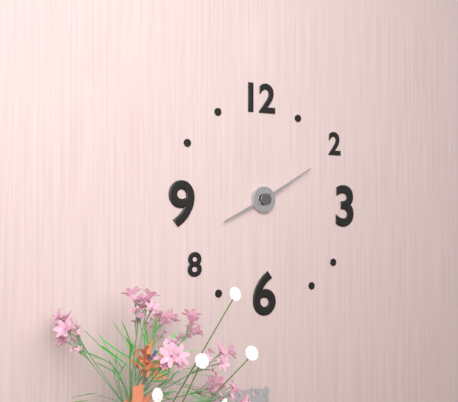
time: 8:10
